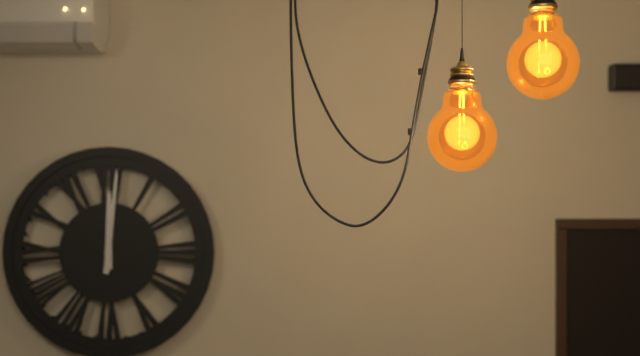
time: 12:01
